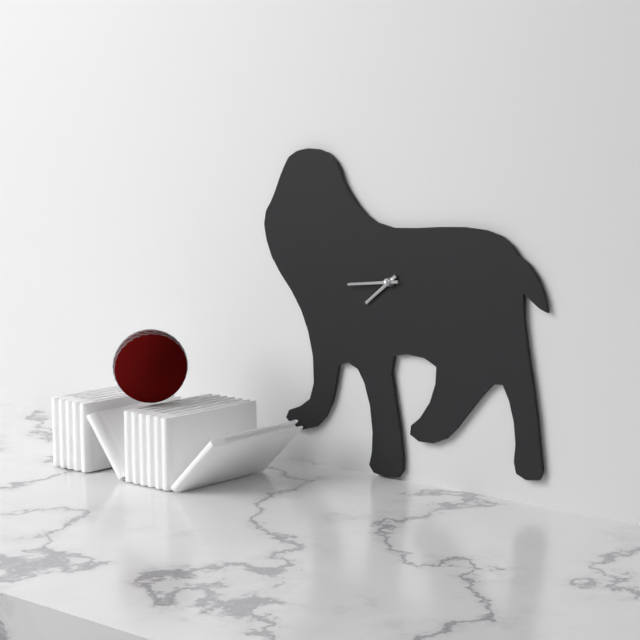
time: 7:44
